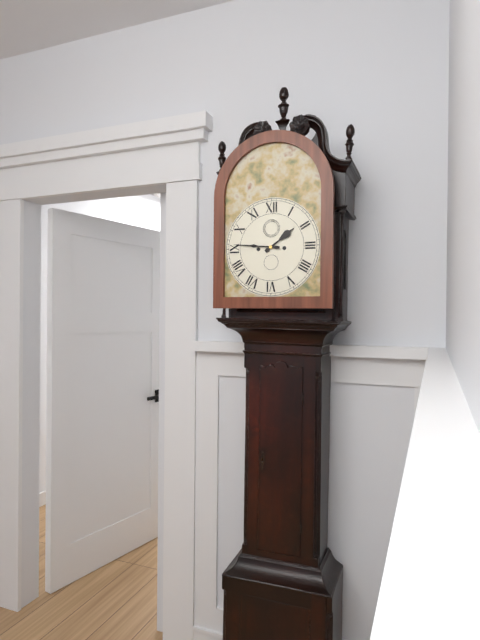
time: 1:46
